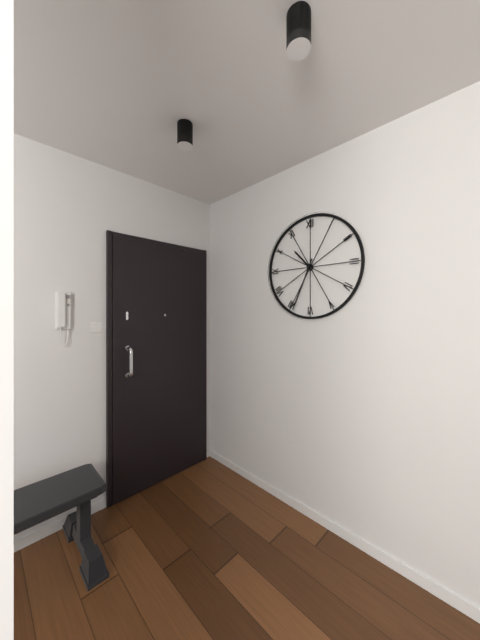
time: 10:34
